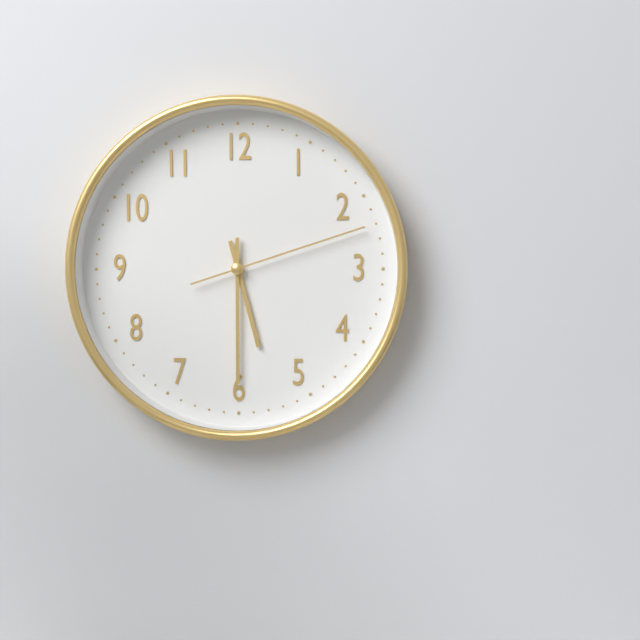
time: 5:30:12
